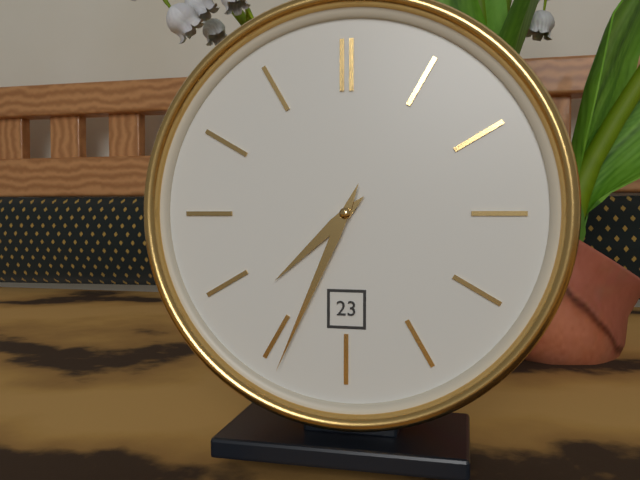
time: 7:34
